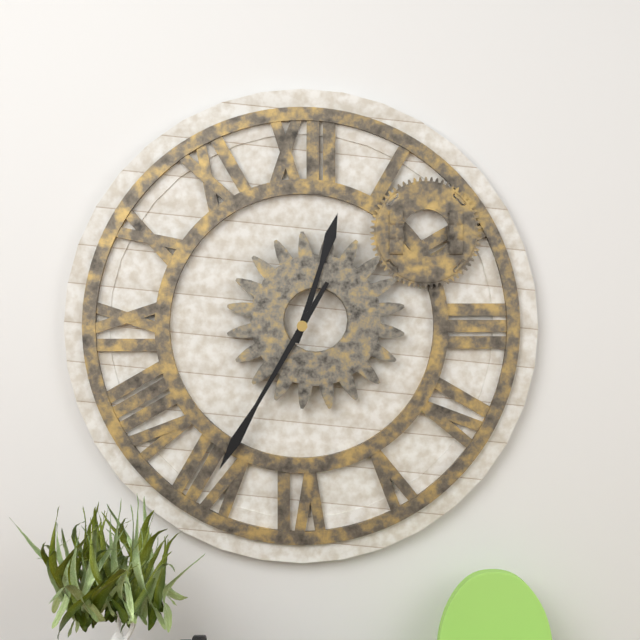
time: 12:35
